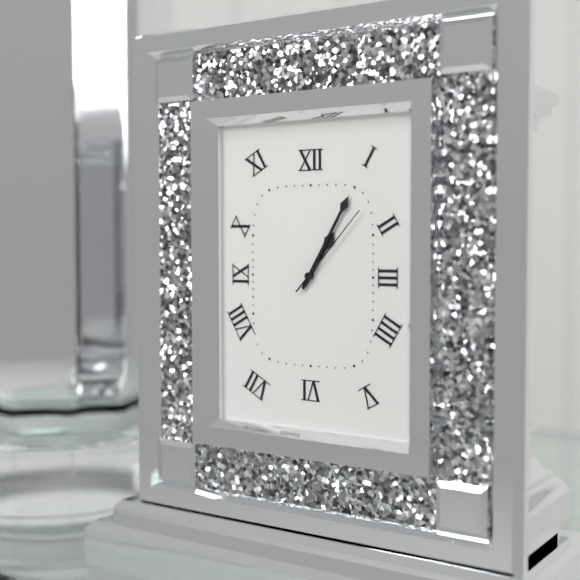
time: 1:05:07
